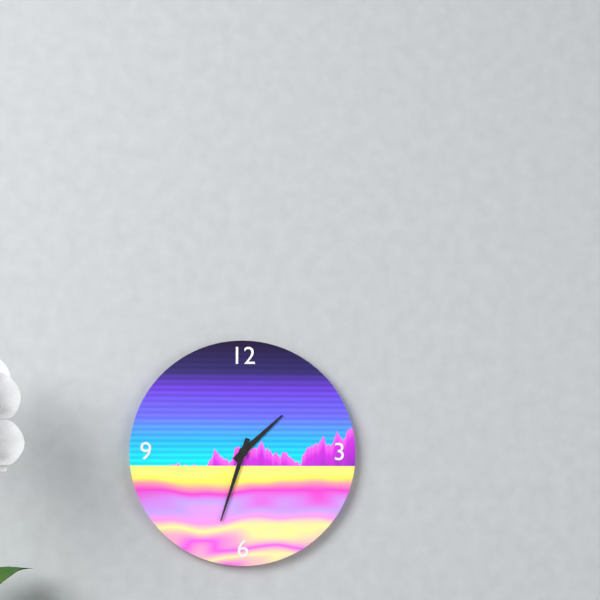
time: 1:33
